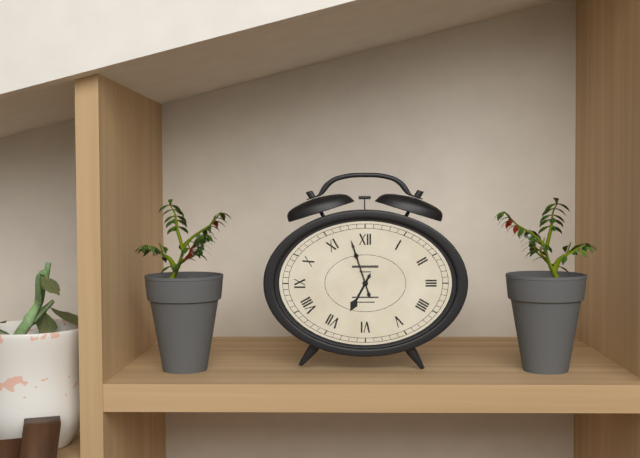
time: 6:57
